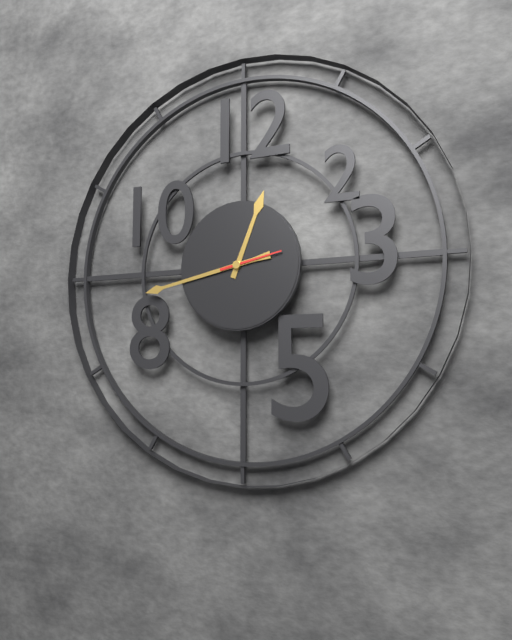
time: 12:43:13
